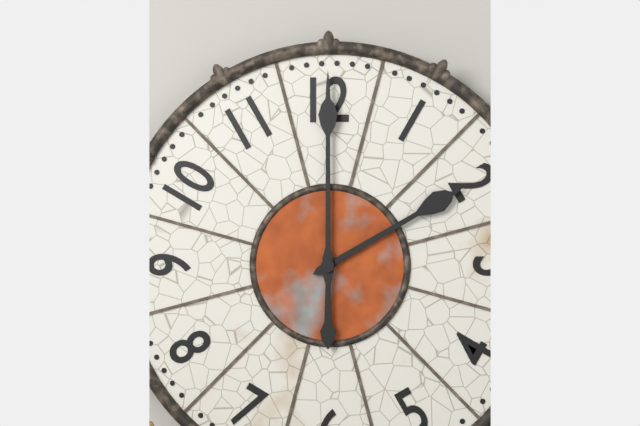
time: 2:00
